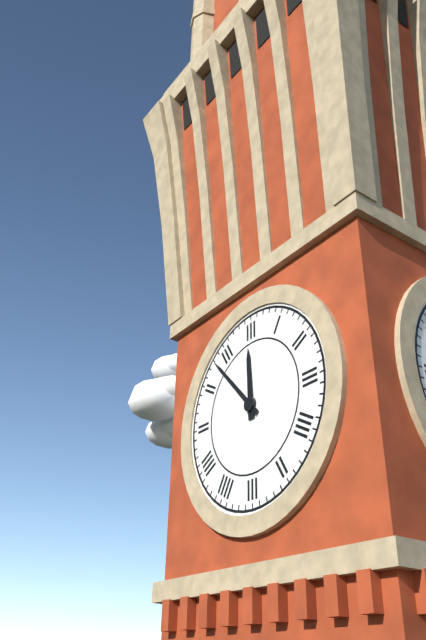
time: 11:53
